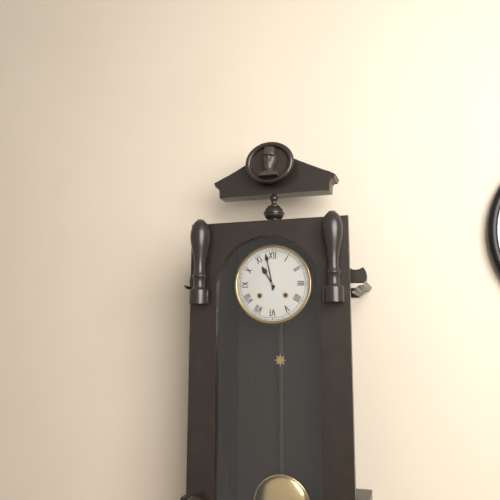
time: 10:58
